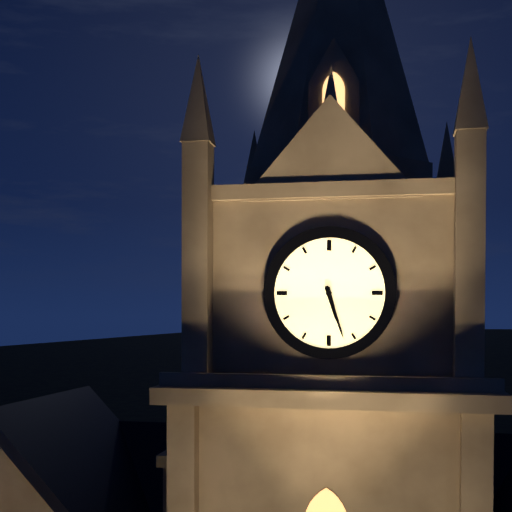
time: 5:27
